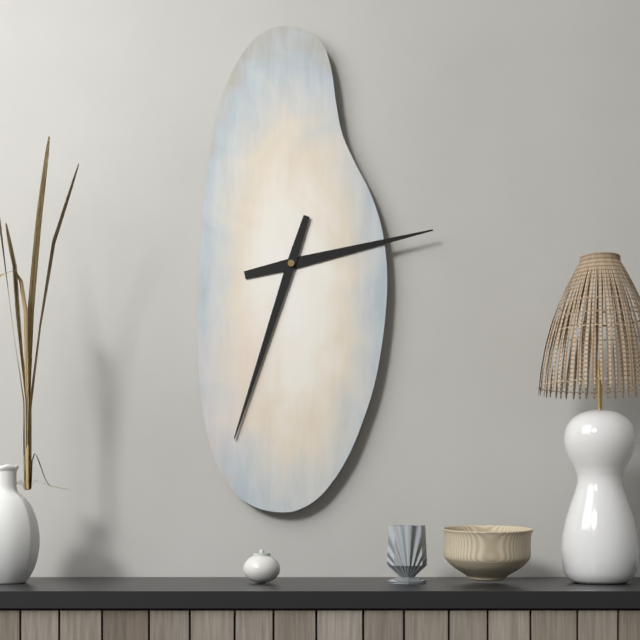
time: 2:33
